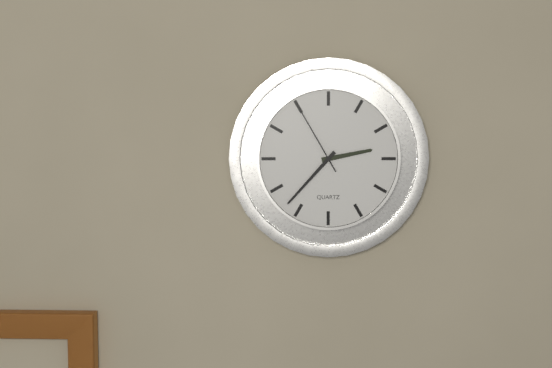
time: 2:37:55
